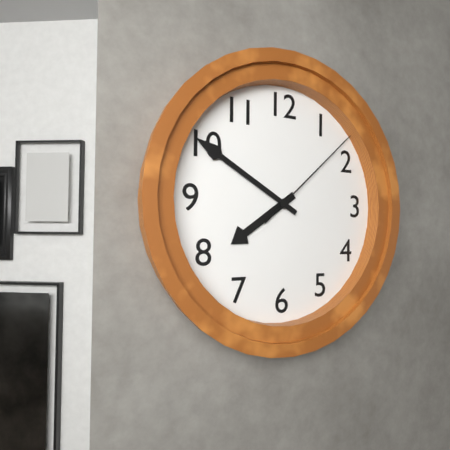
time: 7:50:08
